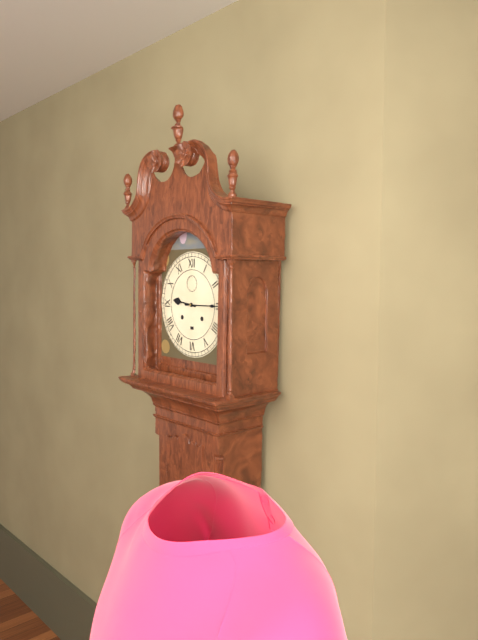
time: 9:15
